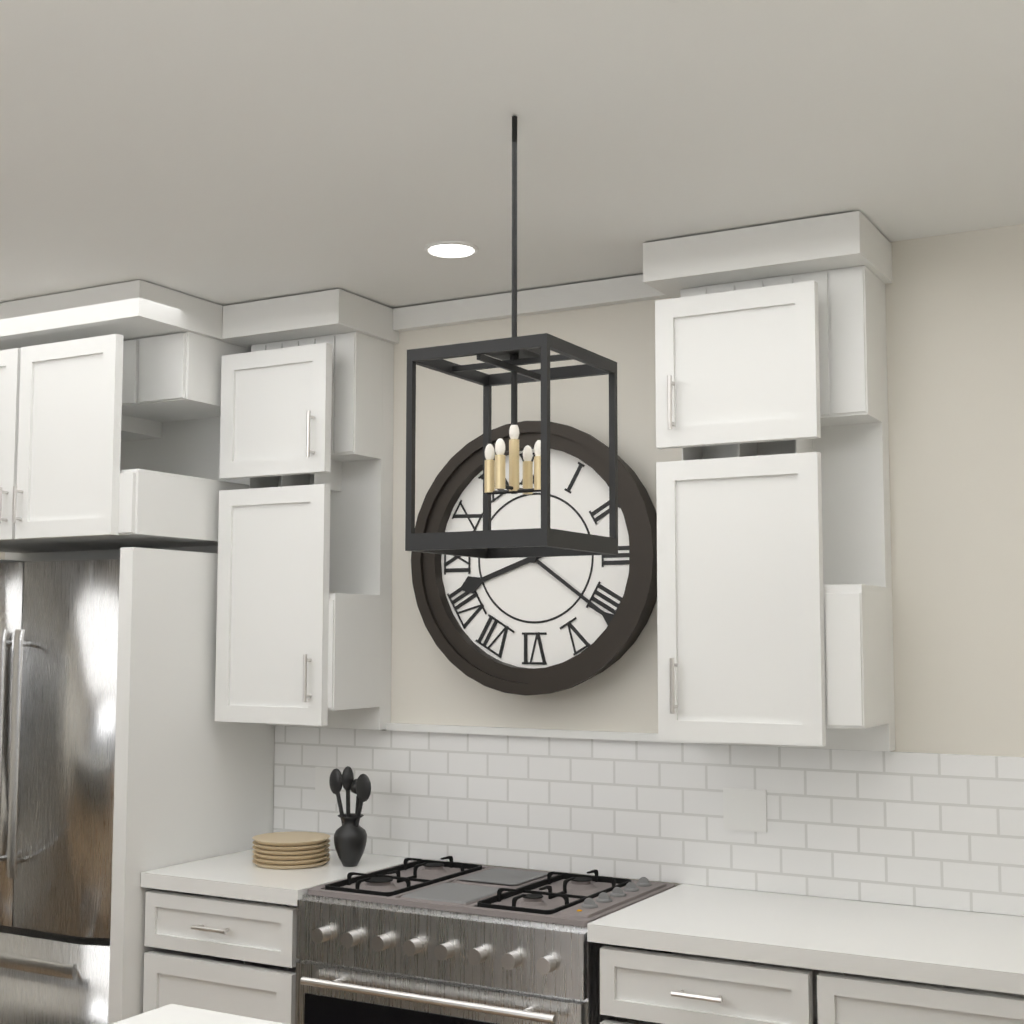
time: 8:21
